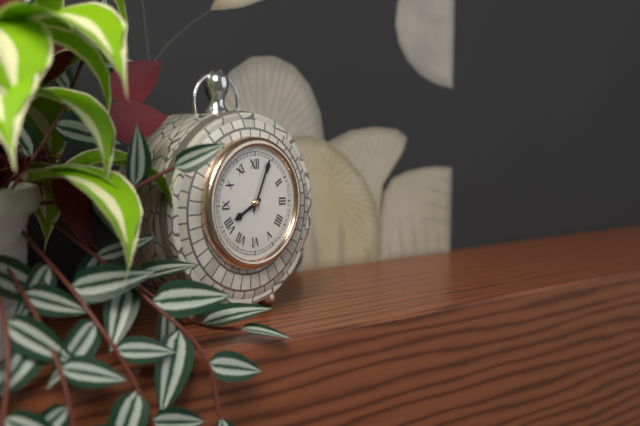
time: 8:04
